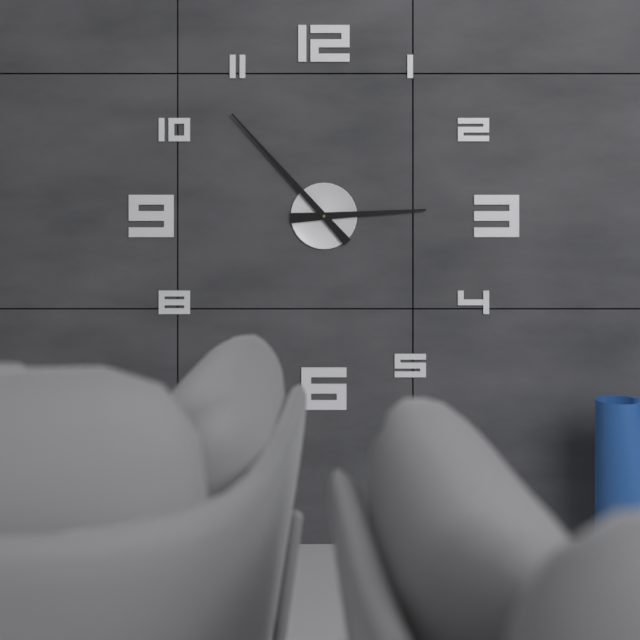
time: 2:53
